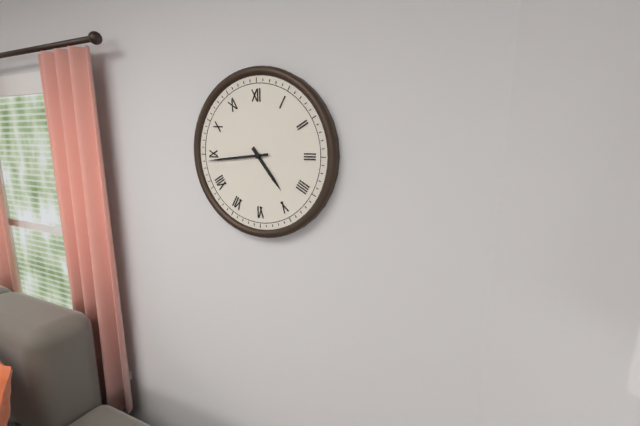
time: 4:44
